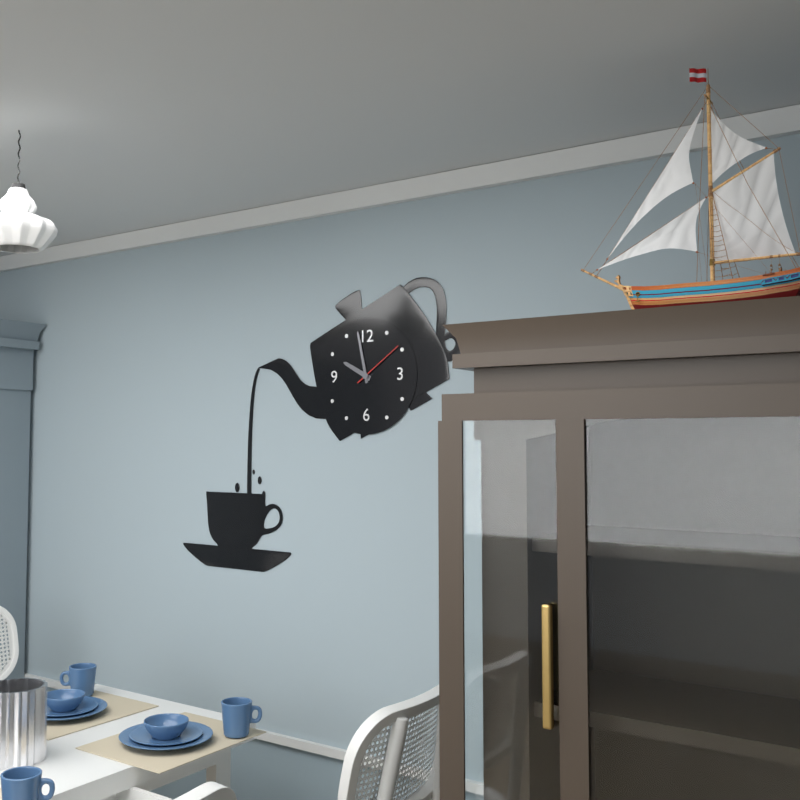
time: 9:58:09
